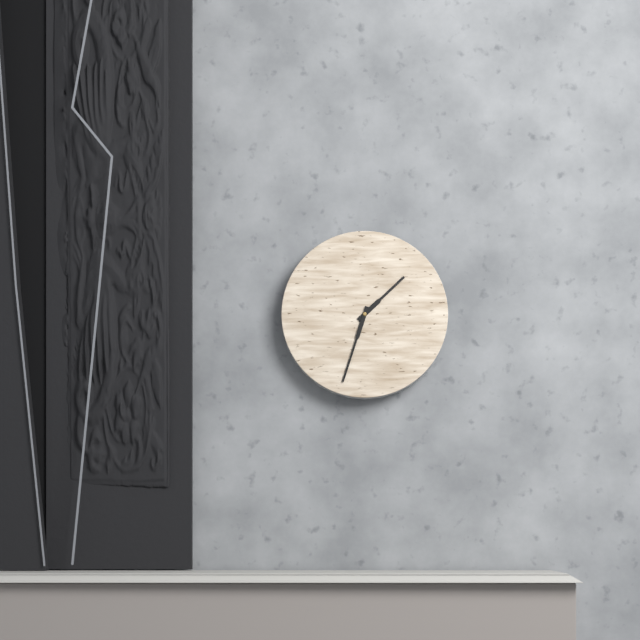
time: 1:33
